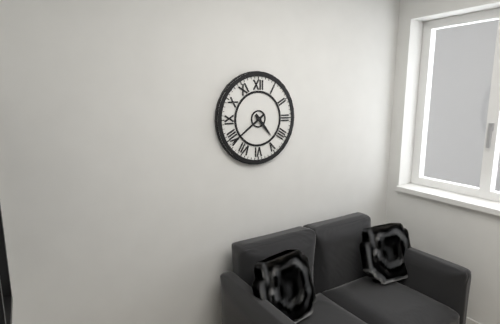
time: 4:39
